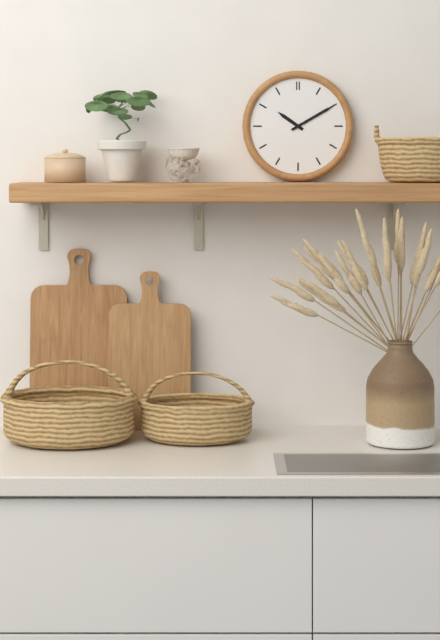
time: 10:10
